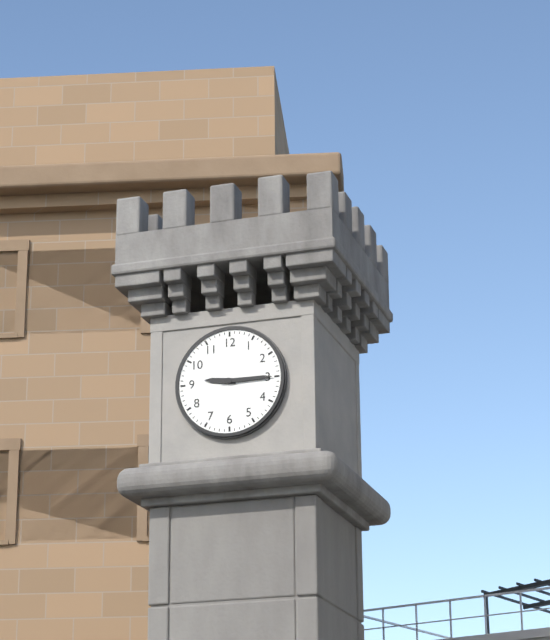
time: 9:15
